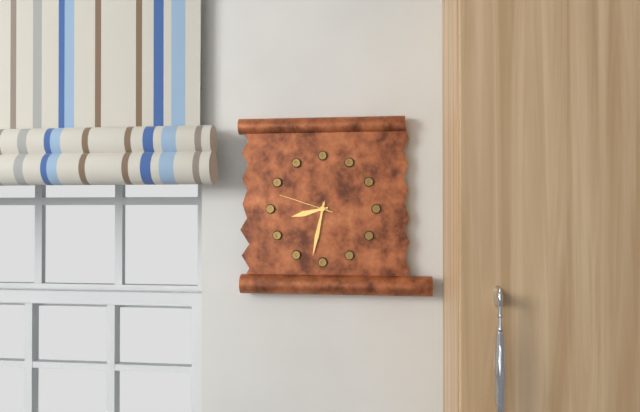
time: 8:32:48
